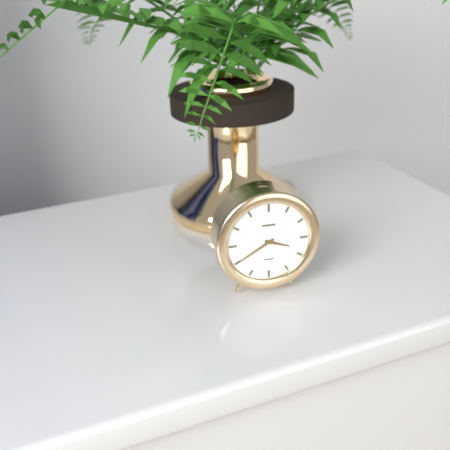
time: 3:40
